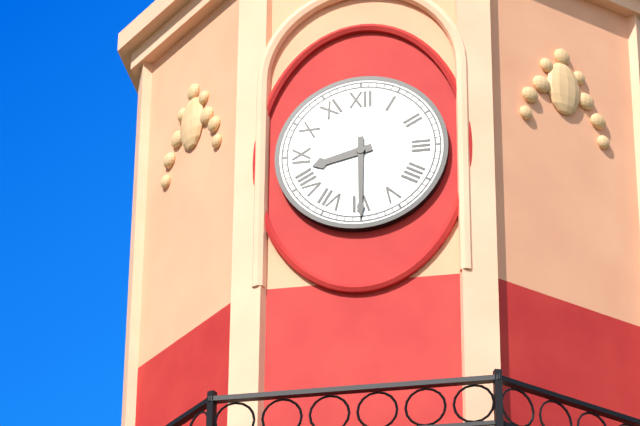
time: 8:30
